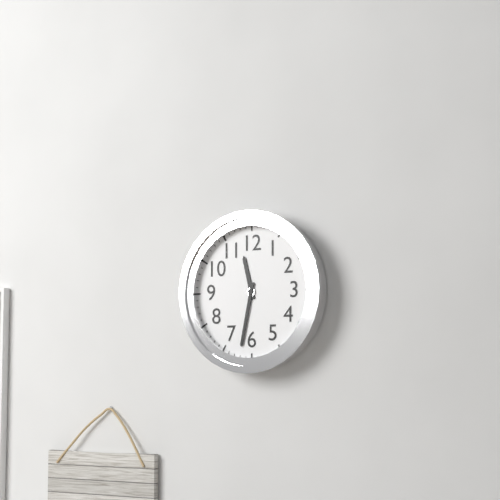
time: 11:32
